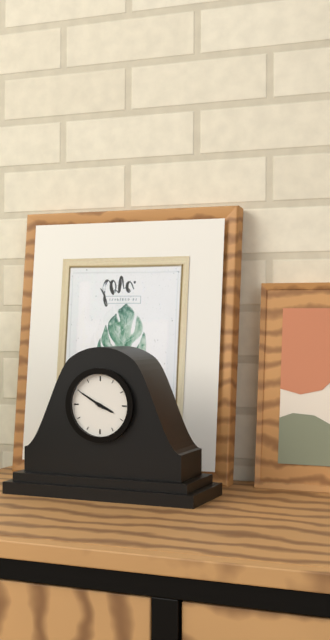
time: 3:50
